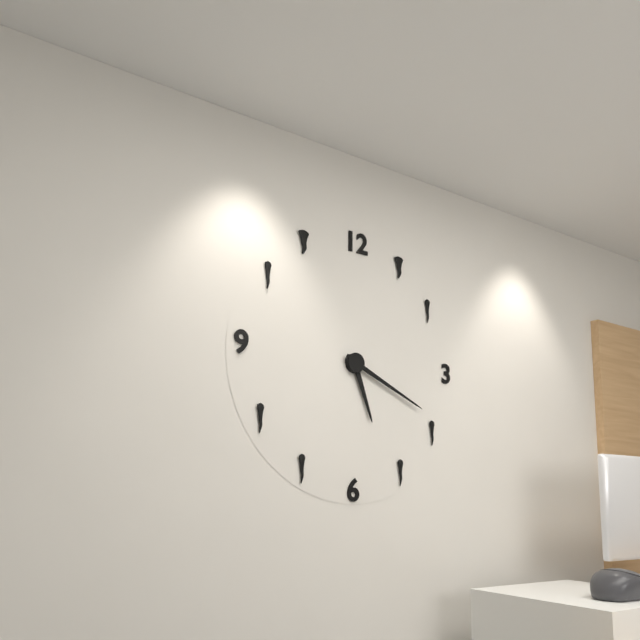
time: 5:19
